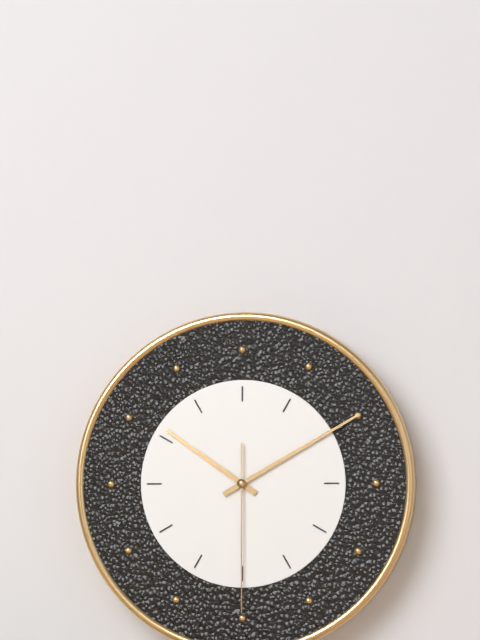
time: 10:10:30
